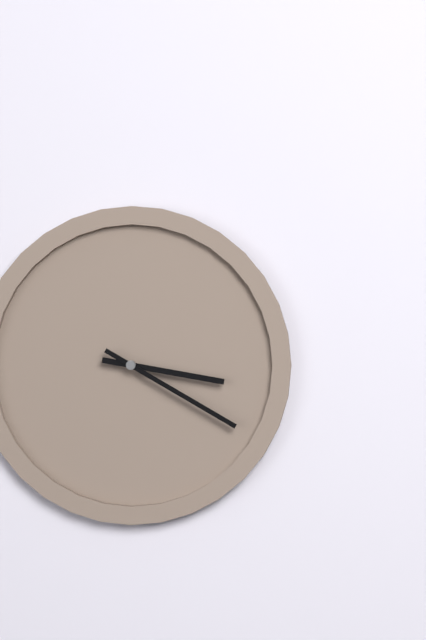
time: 3:20
